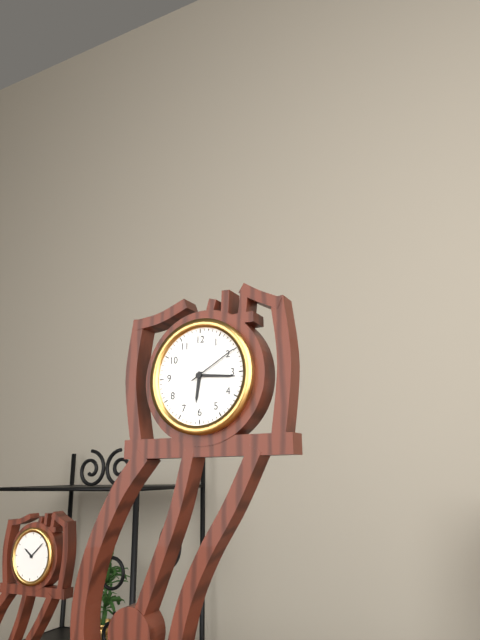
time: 6:16:10
